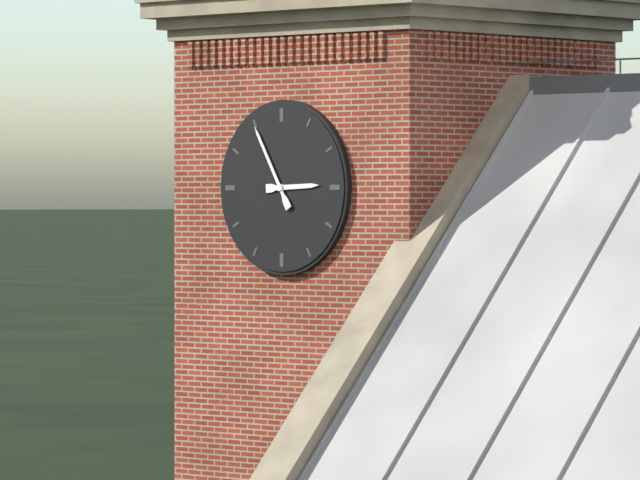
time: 2:55
